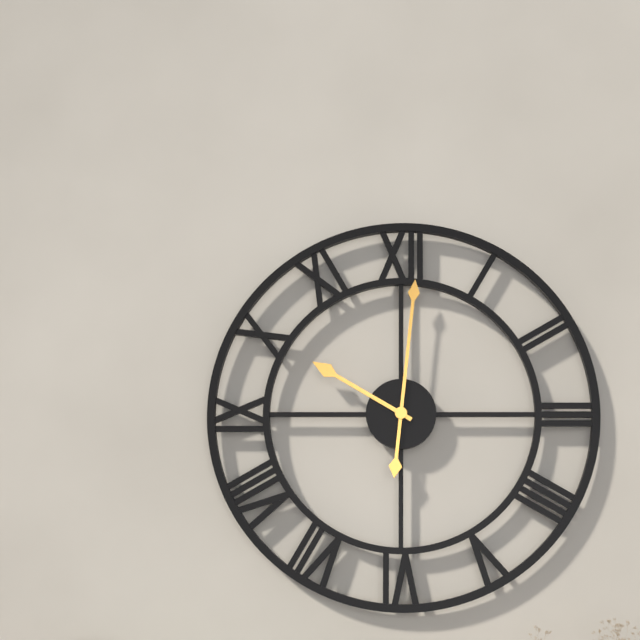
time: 10:01
